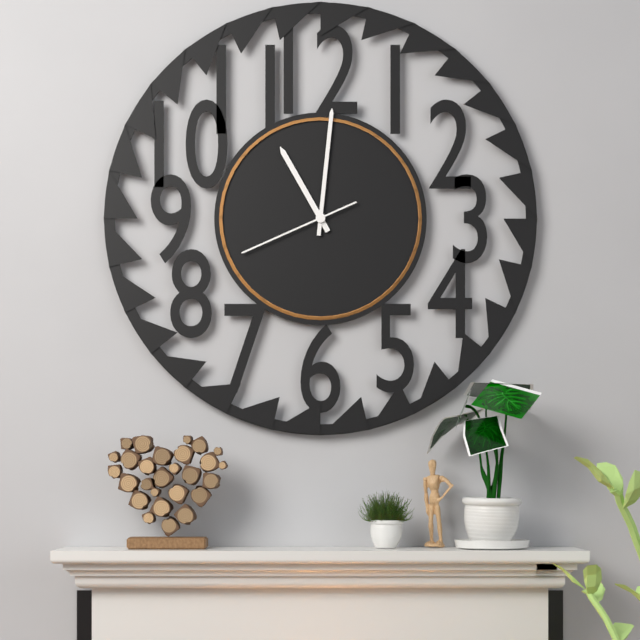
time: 11:01:41
